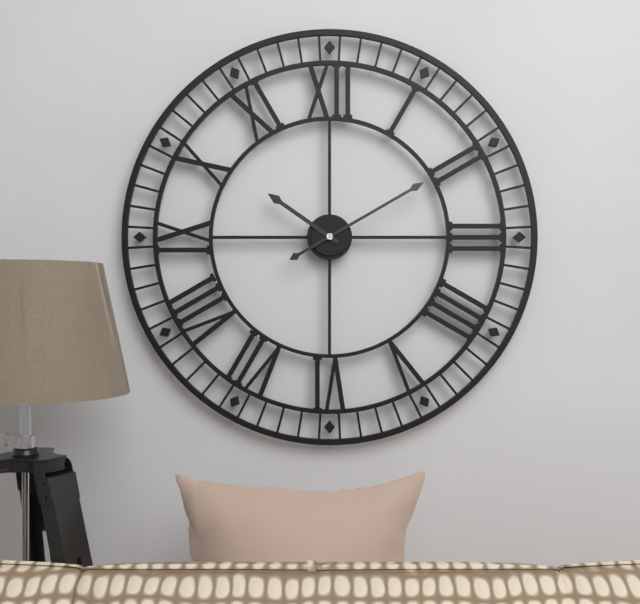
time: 10:10
